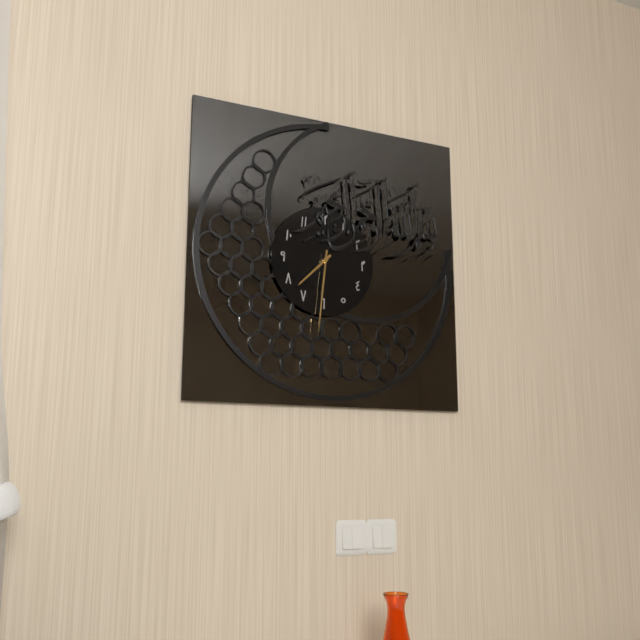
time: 7:31
